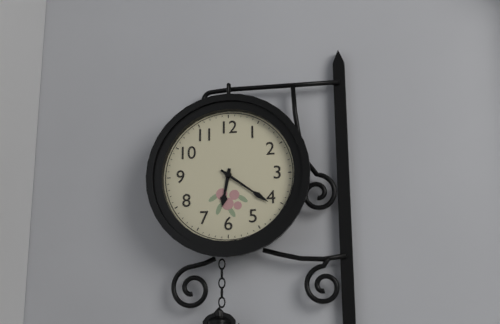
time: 6:21
